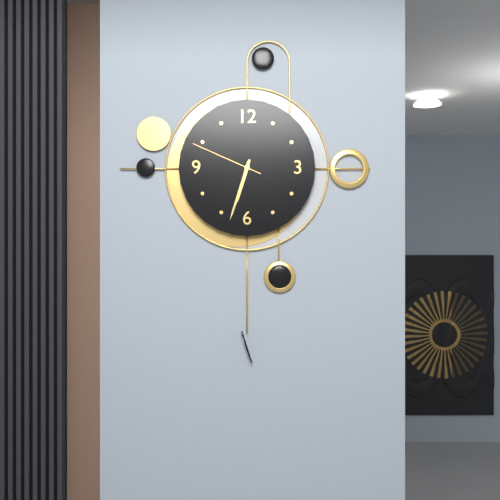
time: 6:33:49
